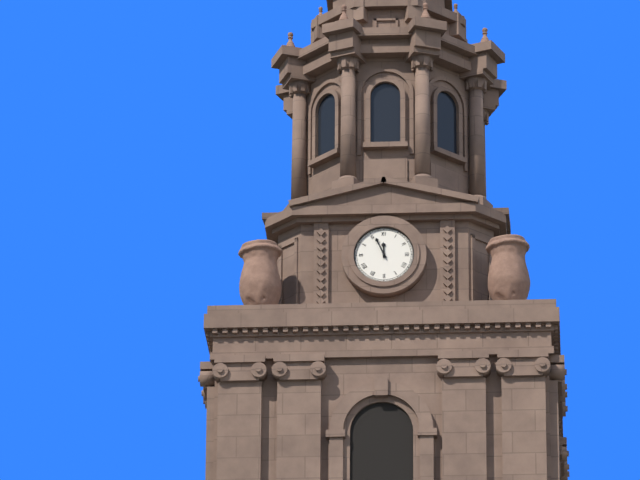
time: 11:56
